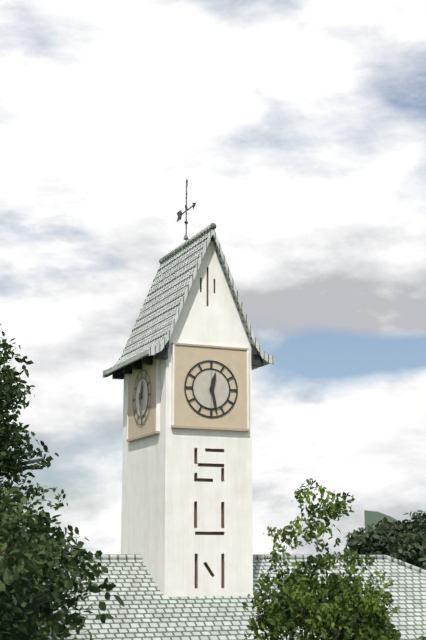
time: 12:28
